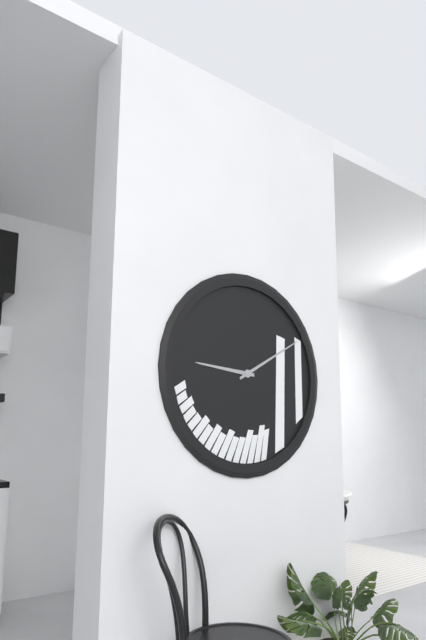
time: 9:10
